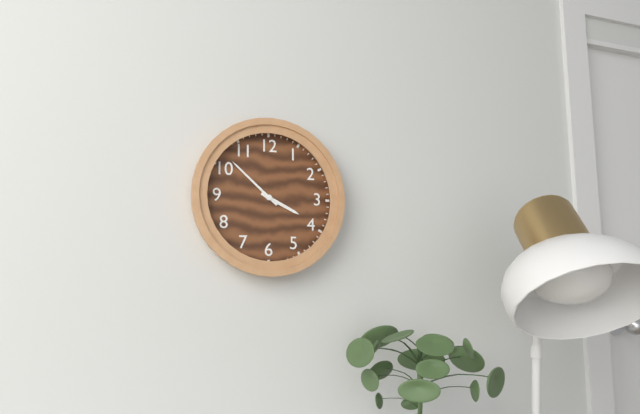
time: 3:52
